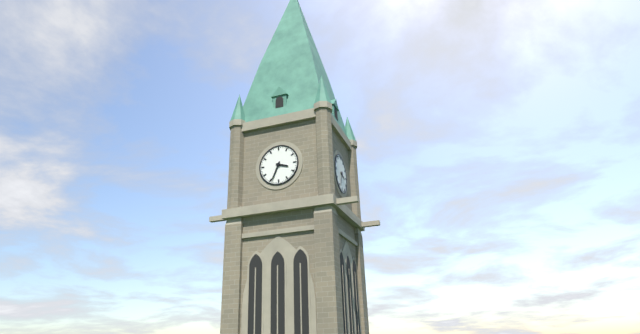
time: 3:34
